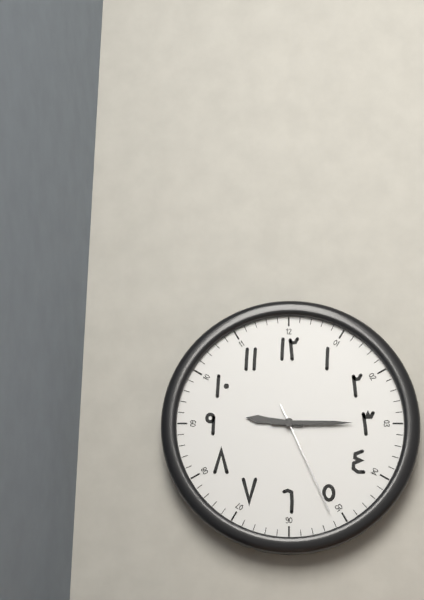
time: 9:15:26
